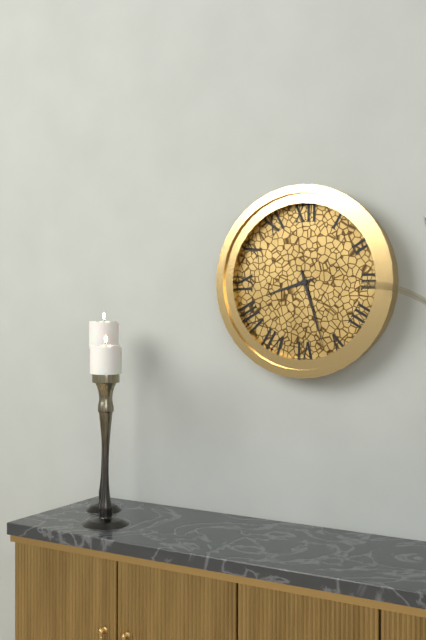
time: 8:27
